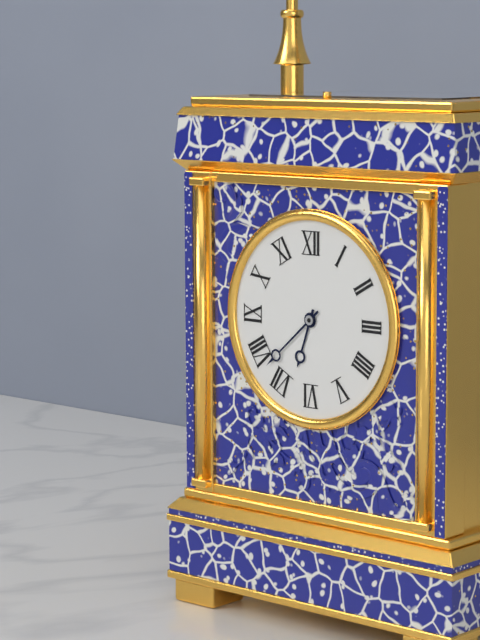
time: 6:38
